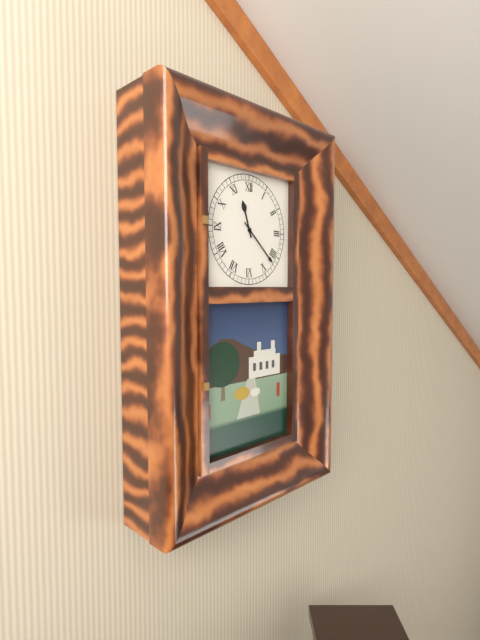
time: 11:22
